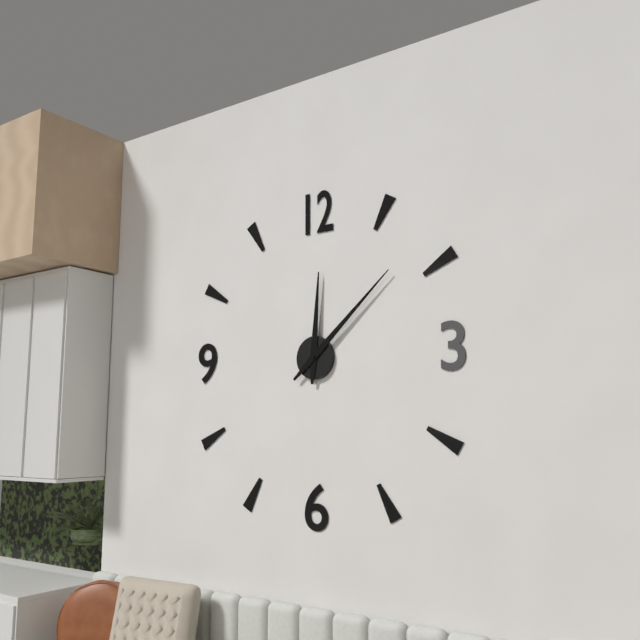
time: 12:08
